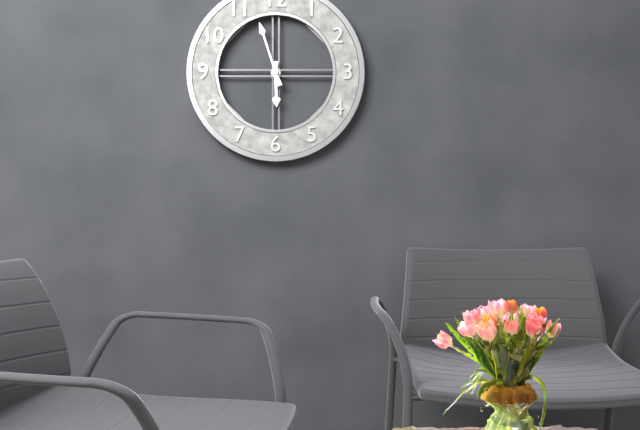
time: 5:57
